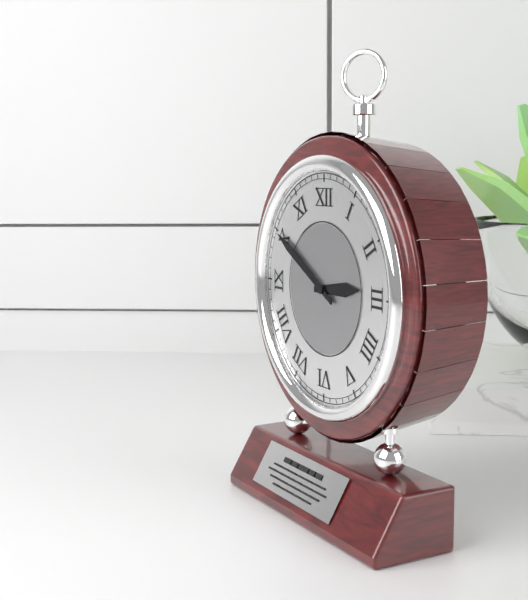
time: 2:50
